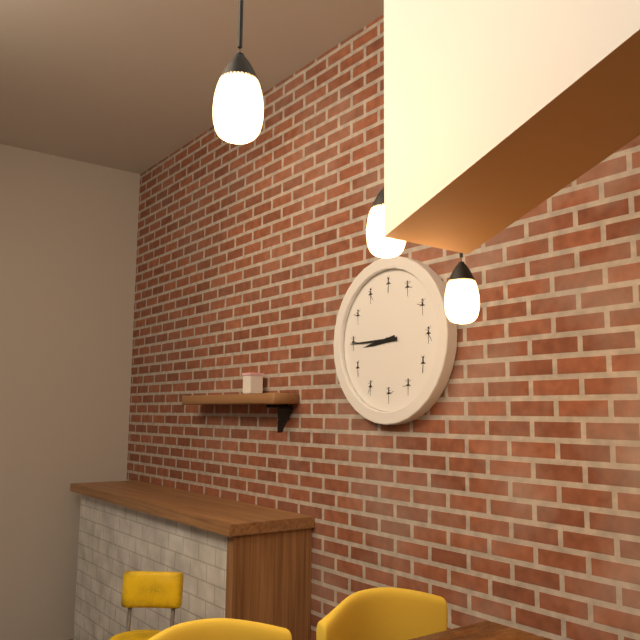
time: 8:45
